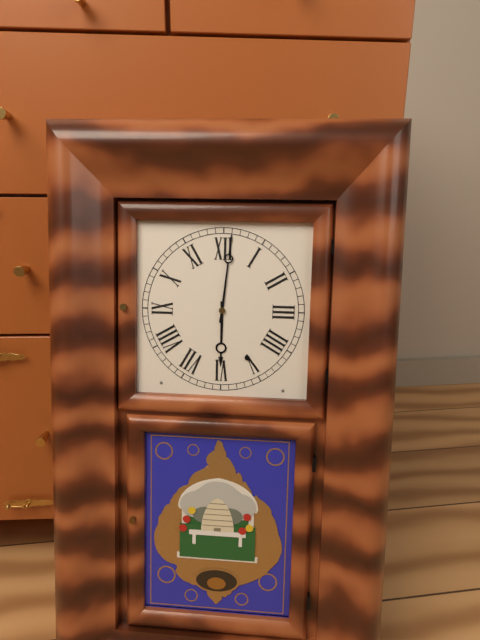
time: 6:01
